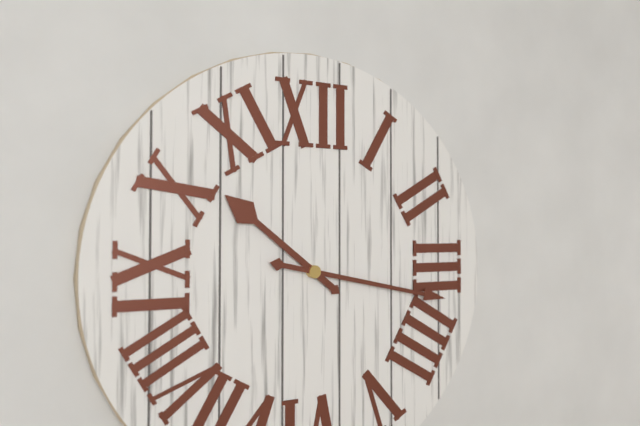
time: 10:17
